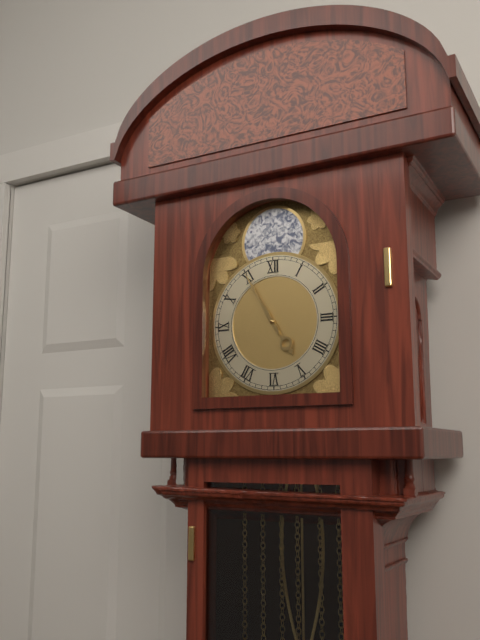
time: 4:55
